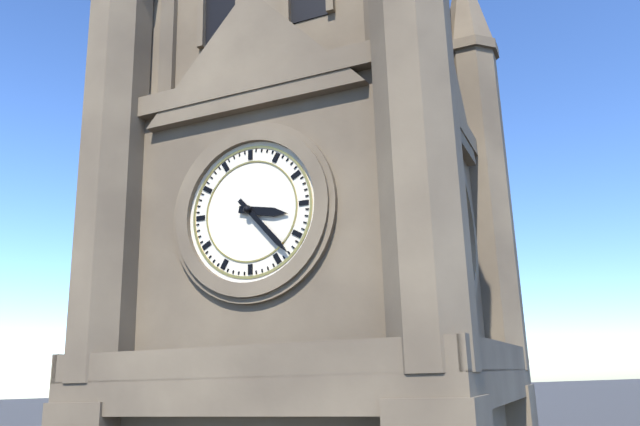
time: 3:23
